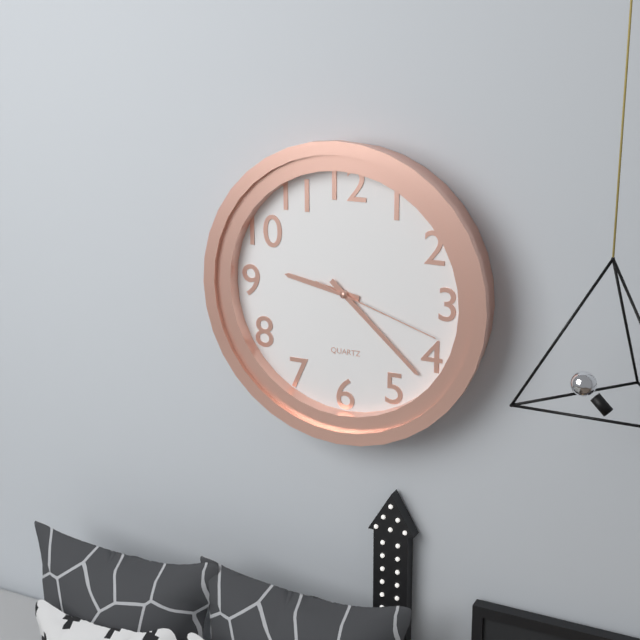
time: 9:22:18
